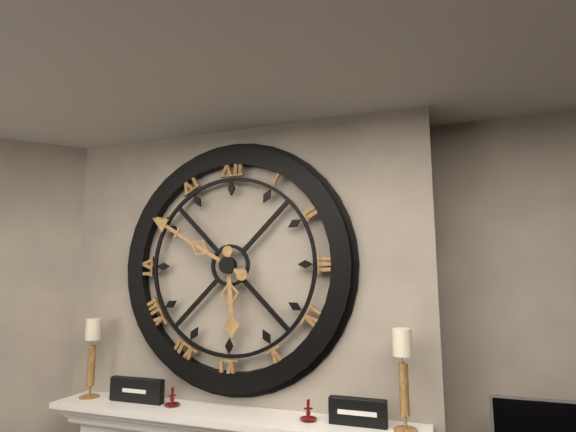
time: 5:50
